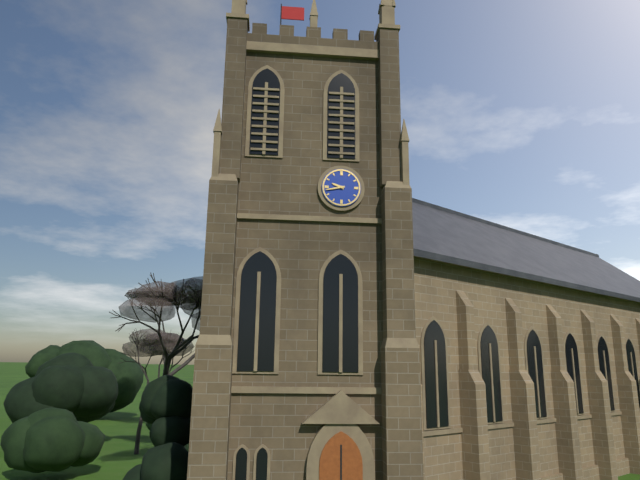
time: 9:43
